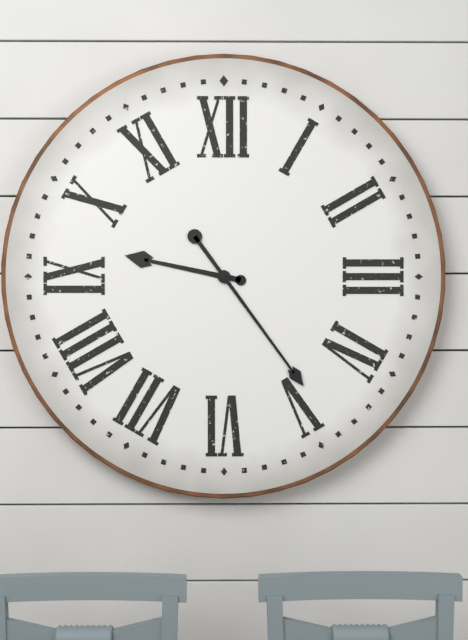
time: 9:24
